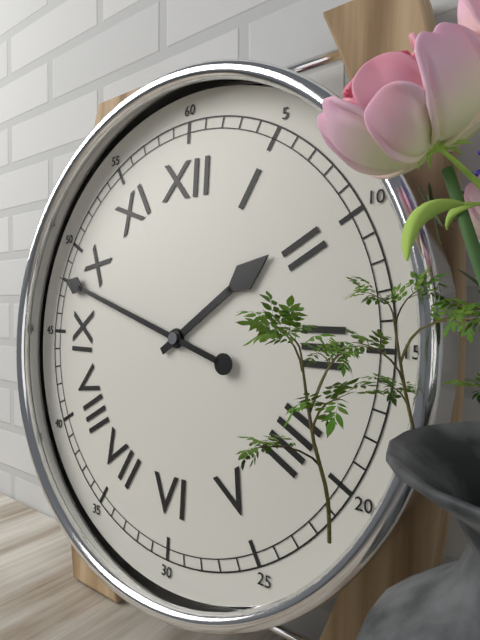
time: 1:48
